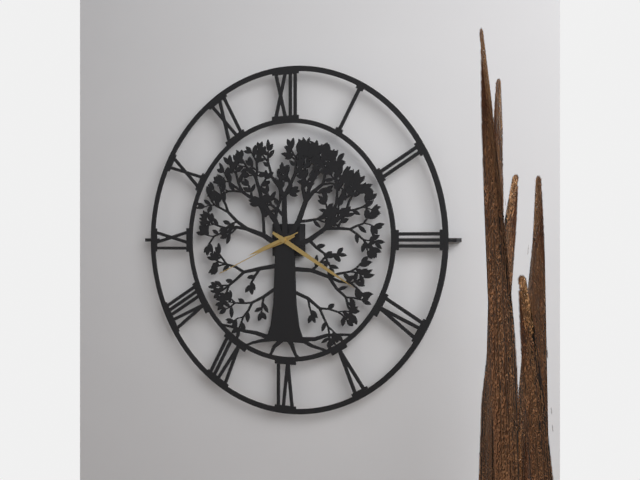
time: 8:20:41
